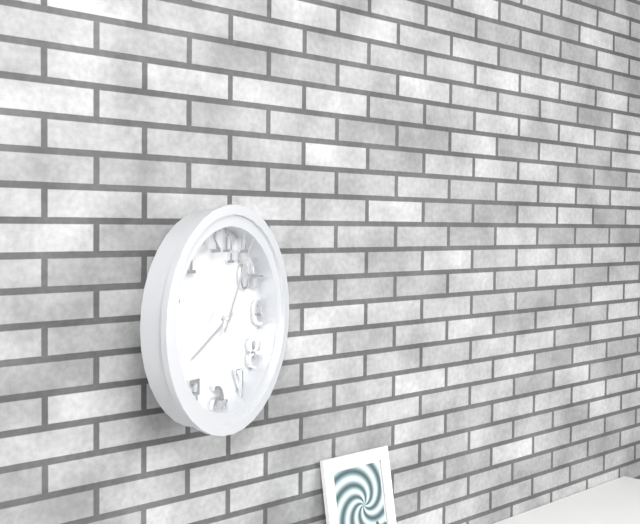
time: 8:05
